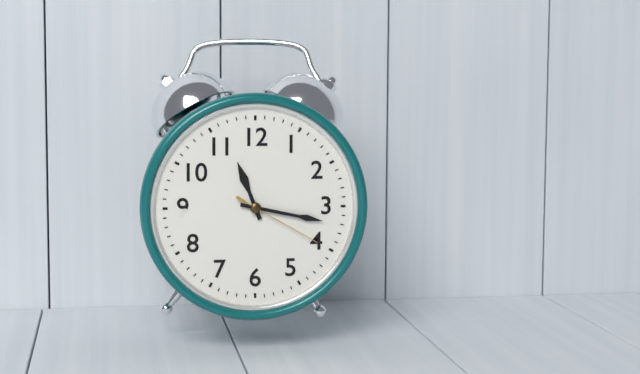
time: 11:17:20
